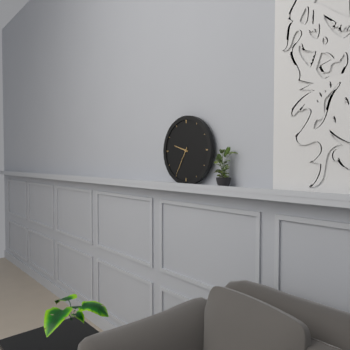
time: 9:35
